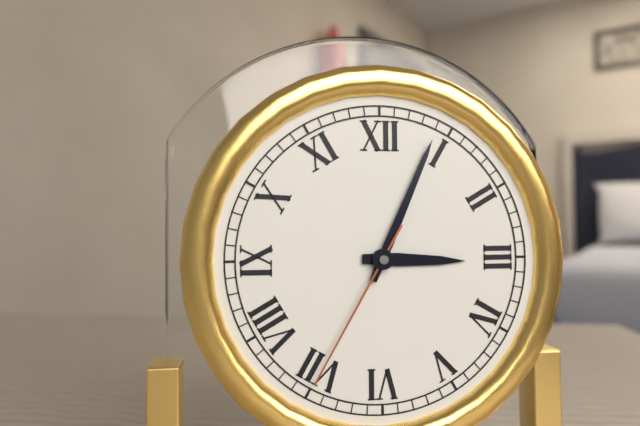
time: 3:04:35
